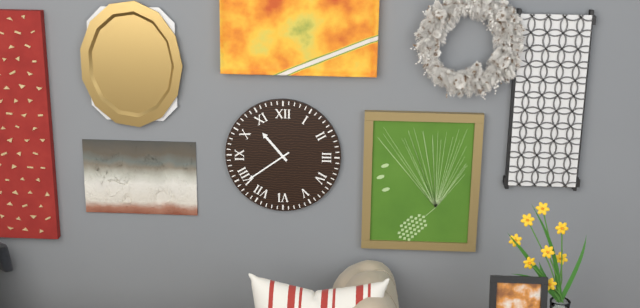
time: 10:39
